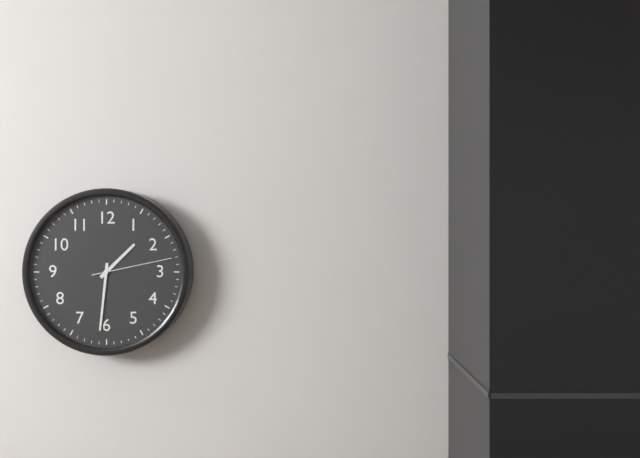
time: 1:31:13
